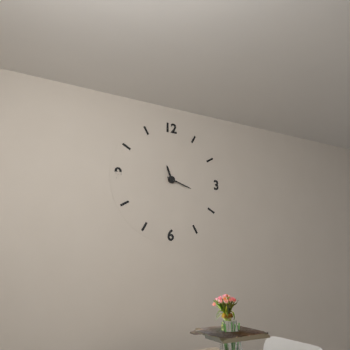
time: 11:18
